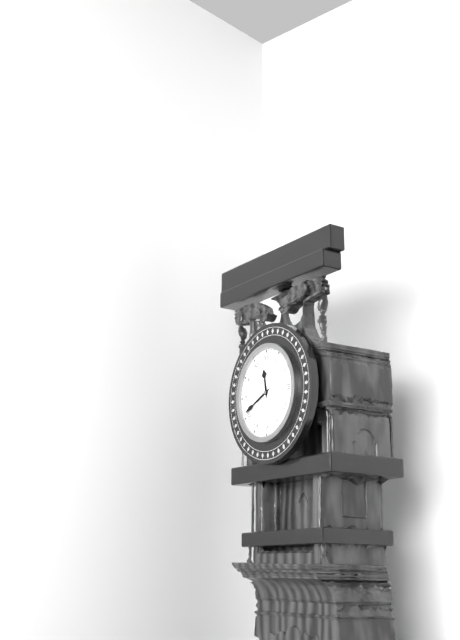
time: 11:41
